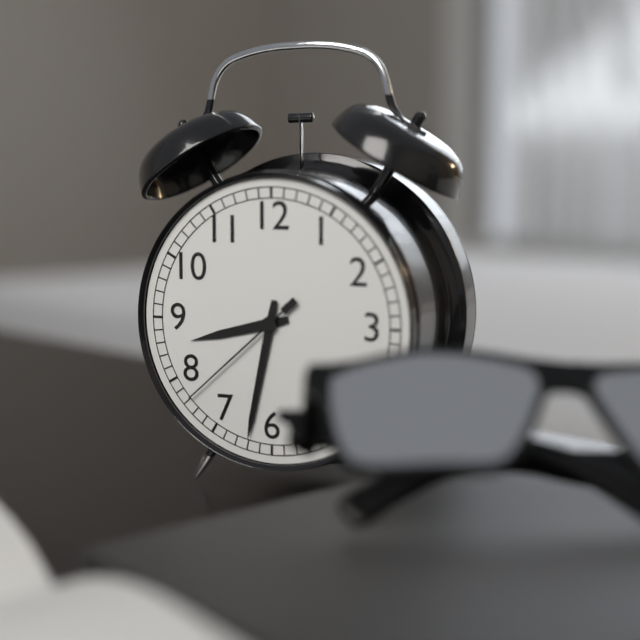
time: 8:32:38
